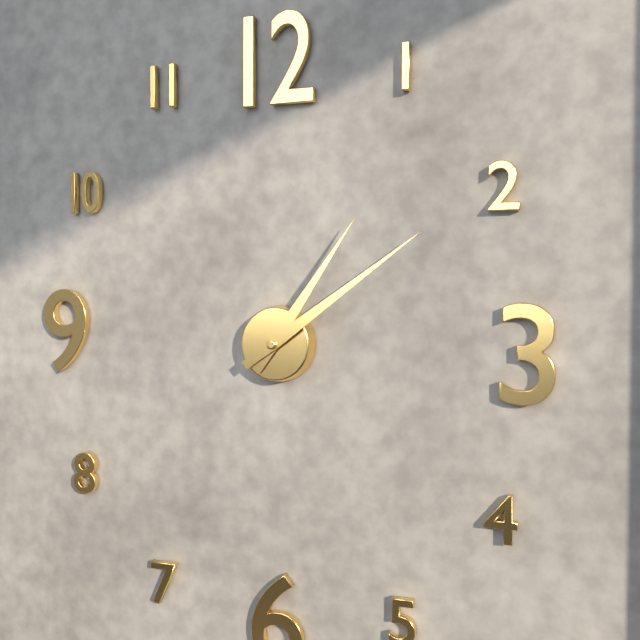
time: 1:09
